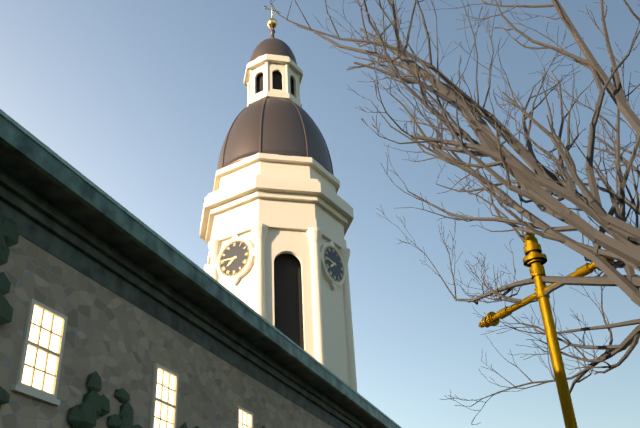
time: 7:46
